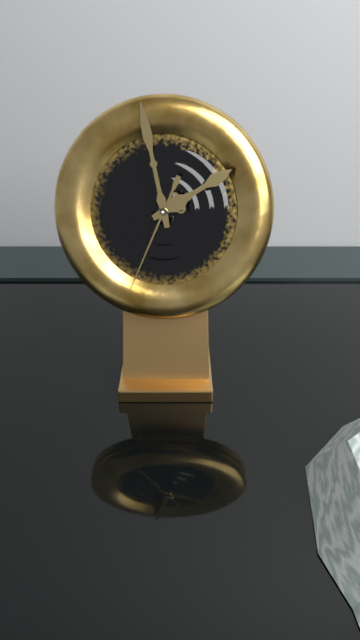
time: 1:58:34
